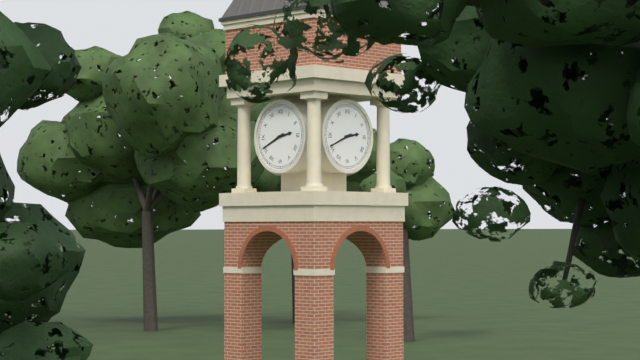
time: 2:41
